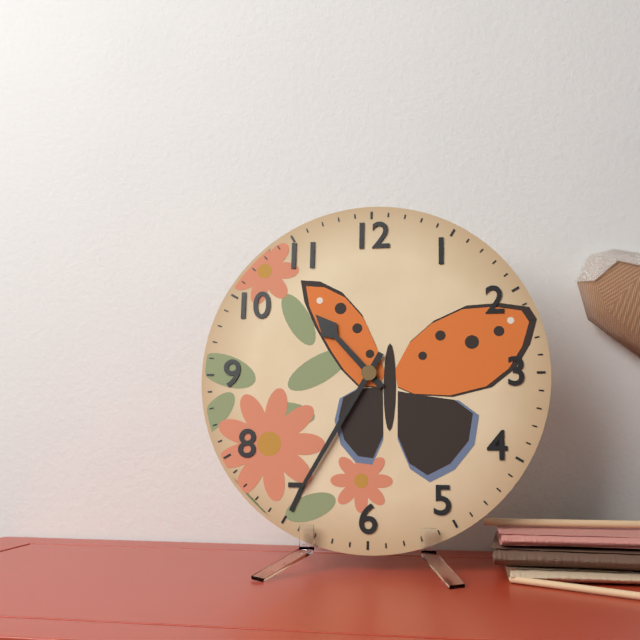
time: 10:35
